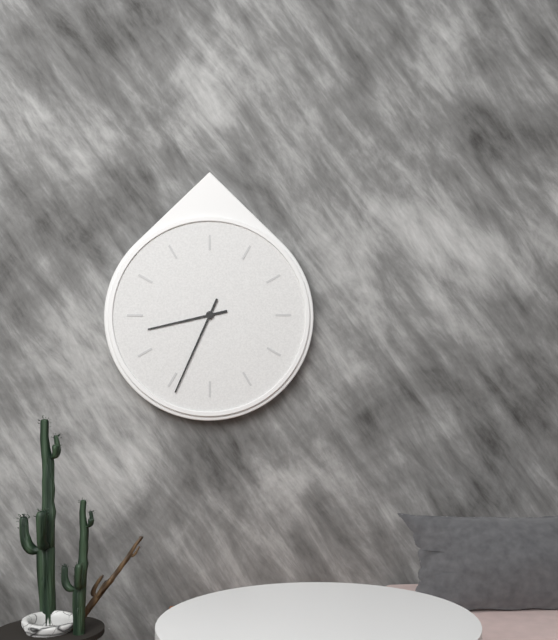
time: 8:34
